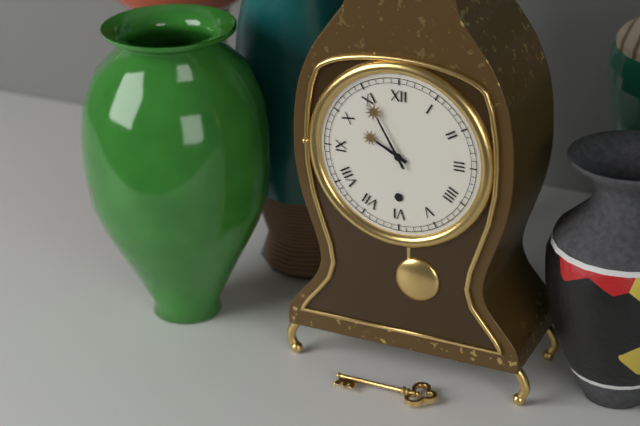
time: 9:55
